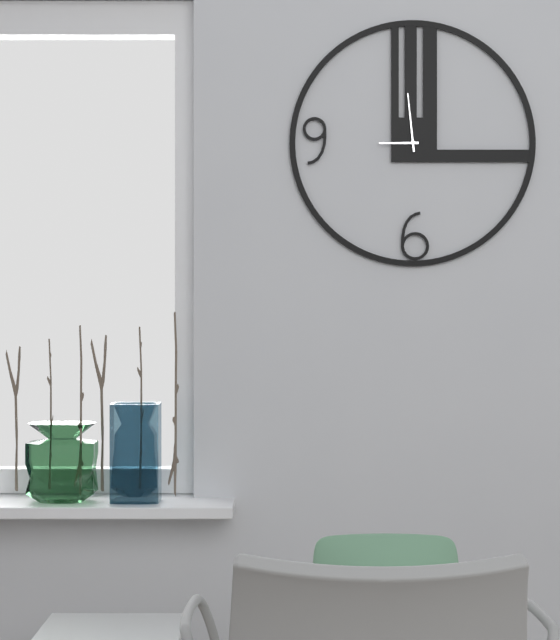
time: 8:59
